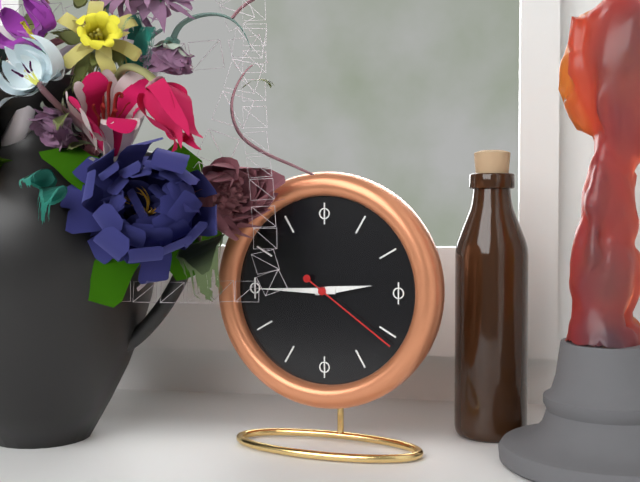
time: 2:45:21
